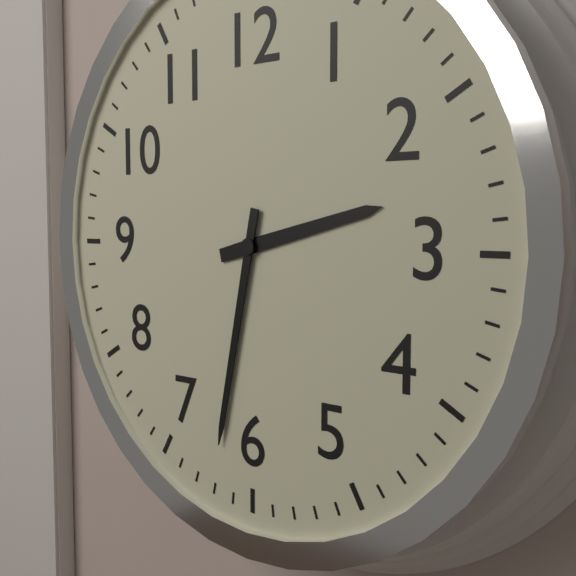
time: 2:32
